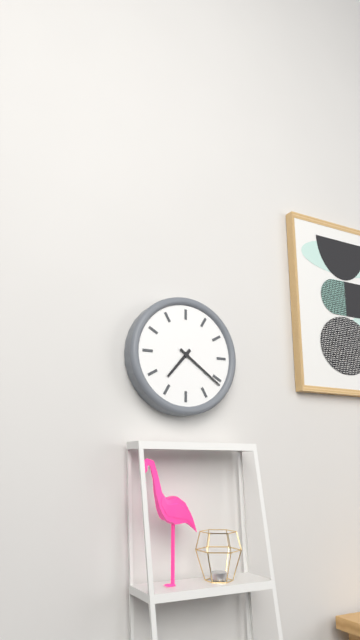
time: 7:21
